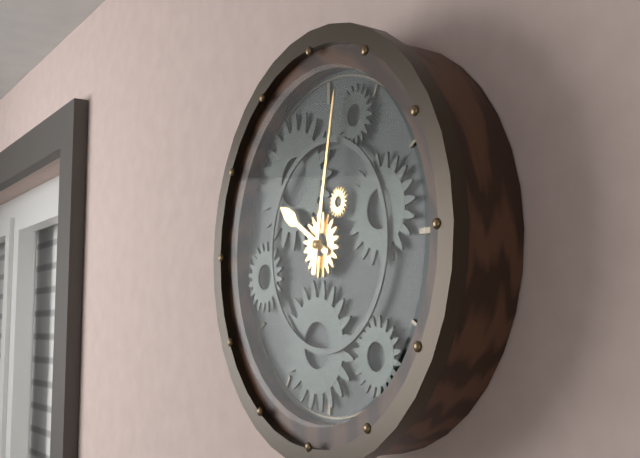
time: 10:02
